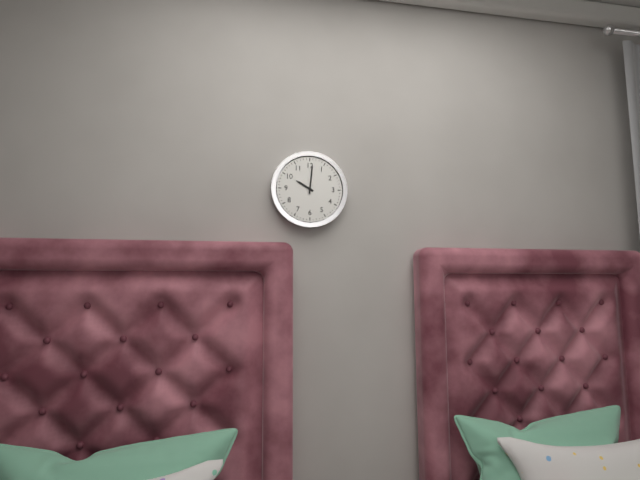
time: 10:01
